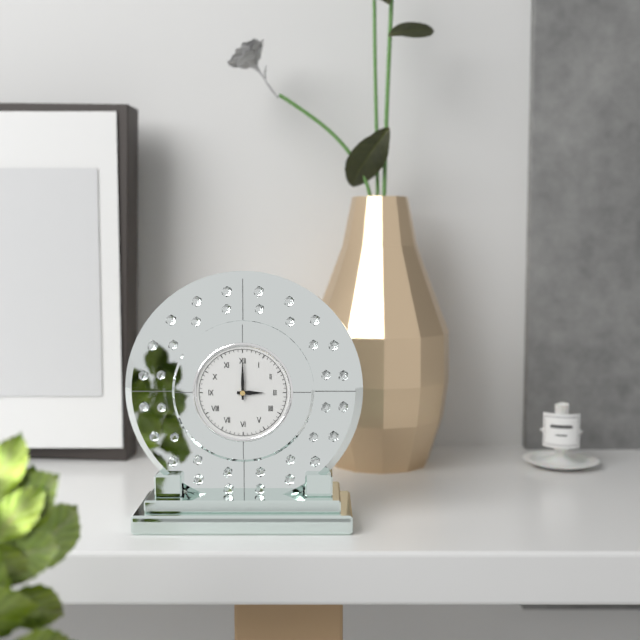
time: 3:00
